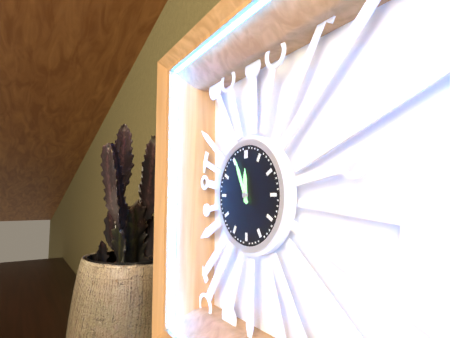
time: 11:56
